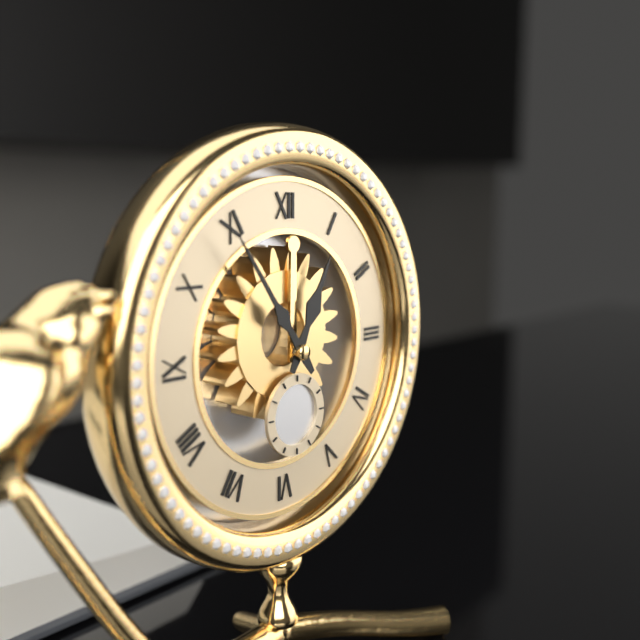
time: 12:54
